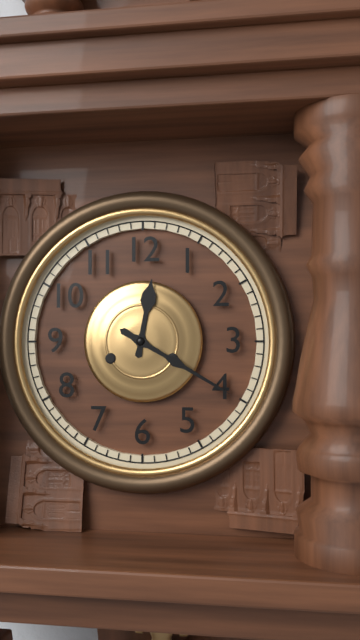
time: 12:20
